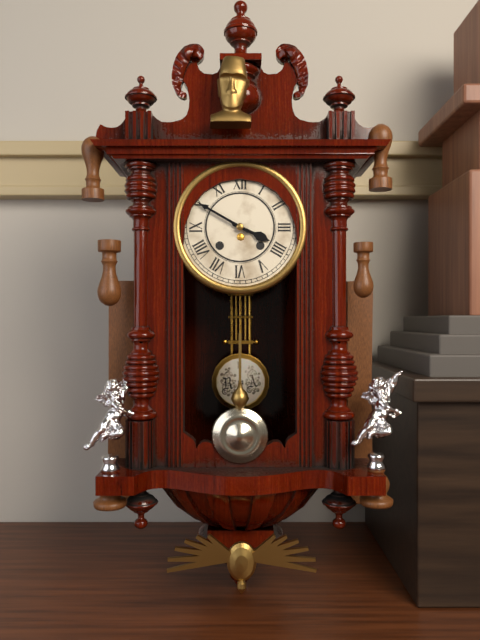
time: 3:50
